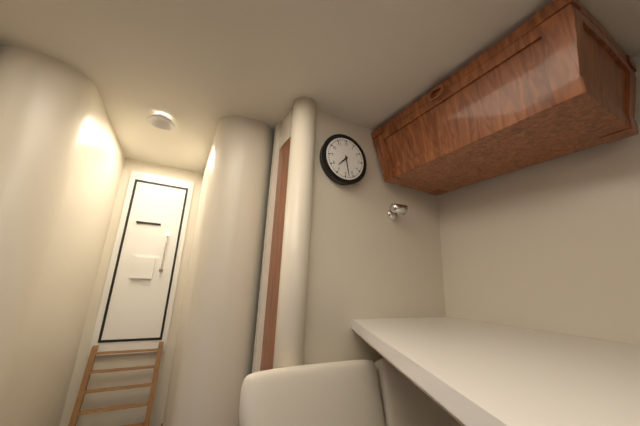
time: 7:28
